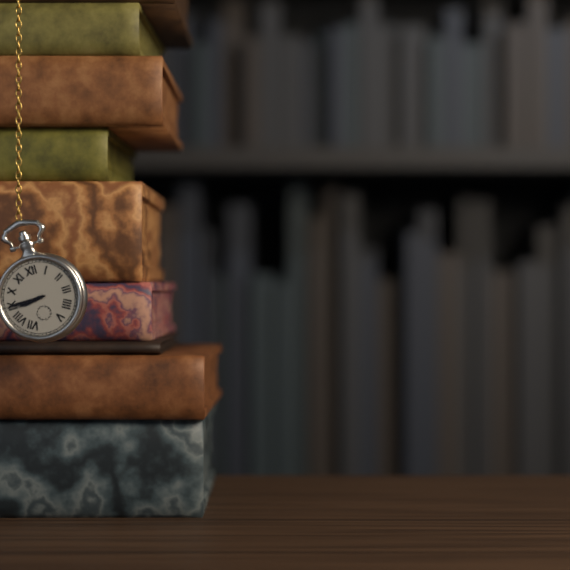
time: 8:45
